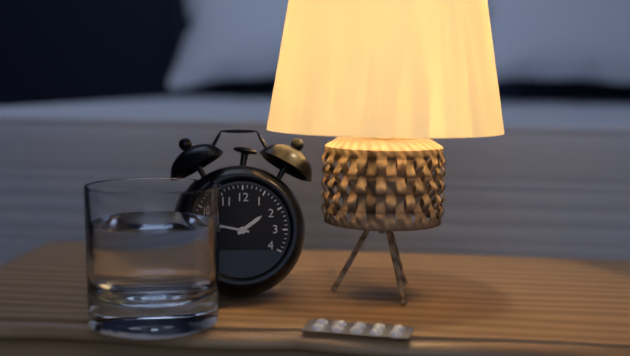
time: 1:47
